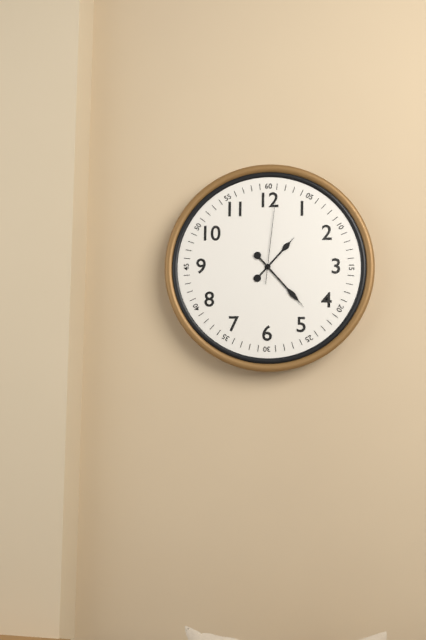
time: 1:23:01
